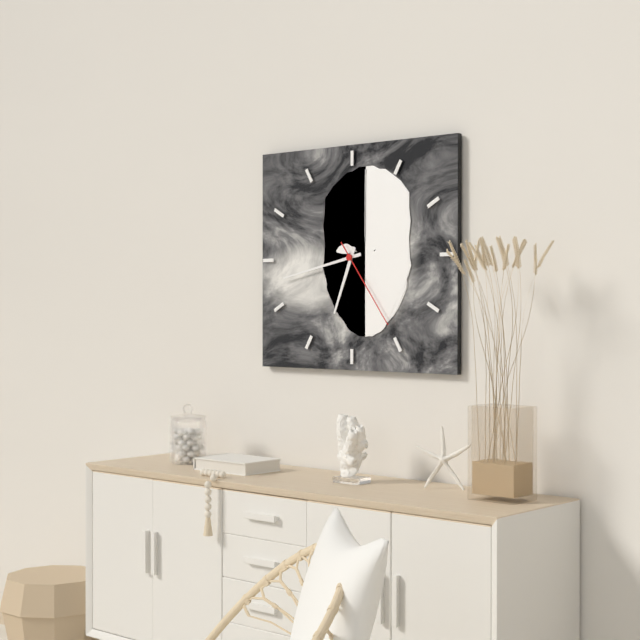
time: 6:43:24
